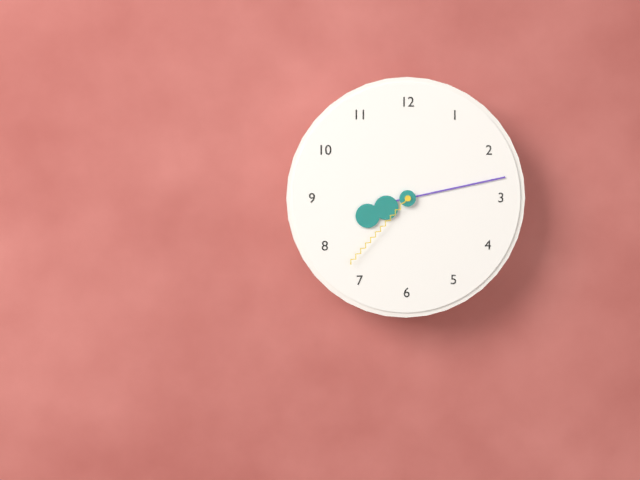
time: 8:13:37
